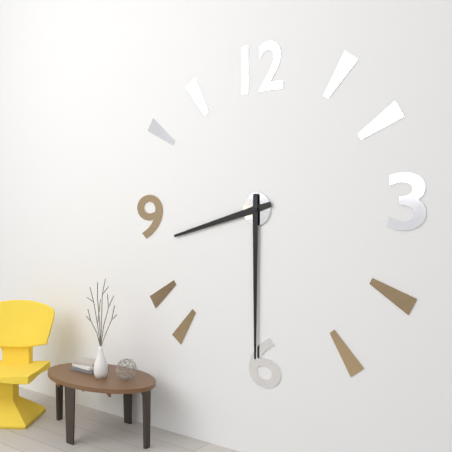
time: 8:30
